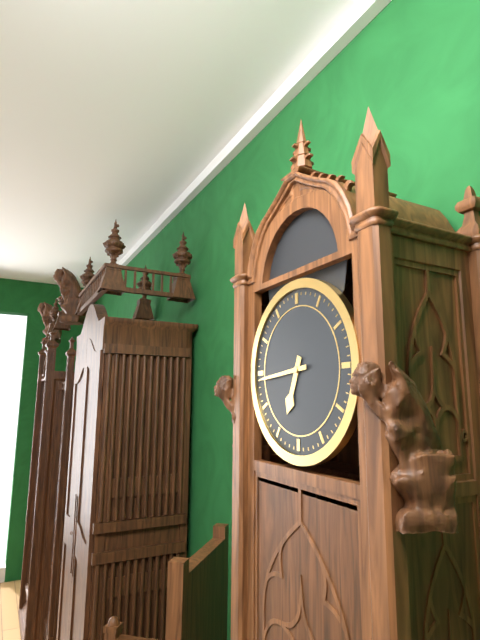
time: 6:44
